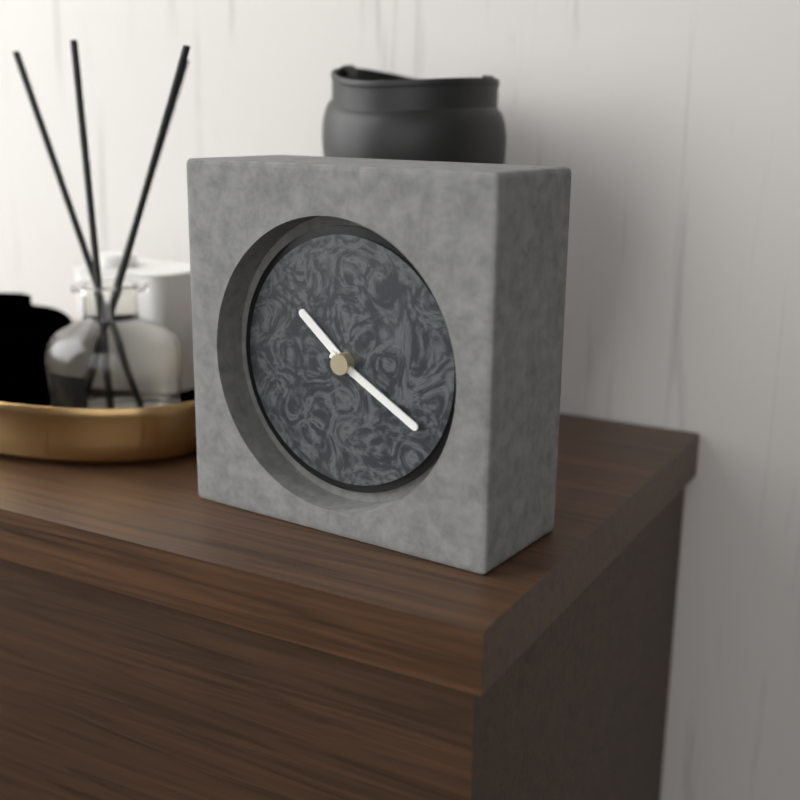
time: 10:20
